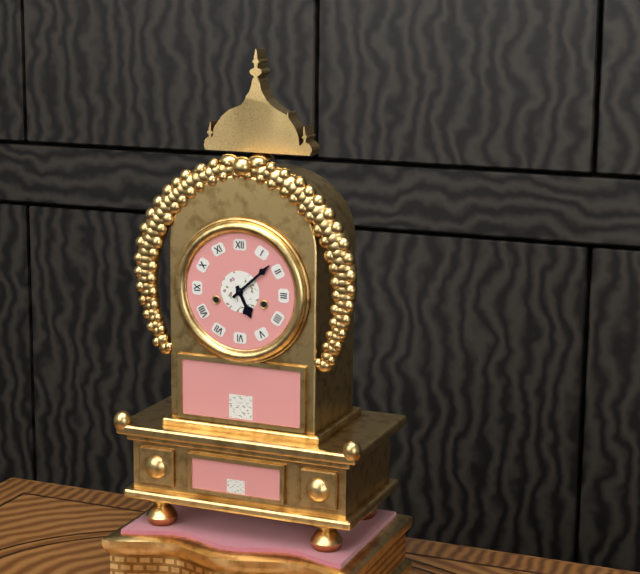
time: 5:08
